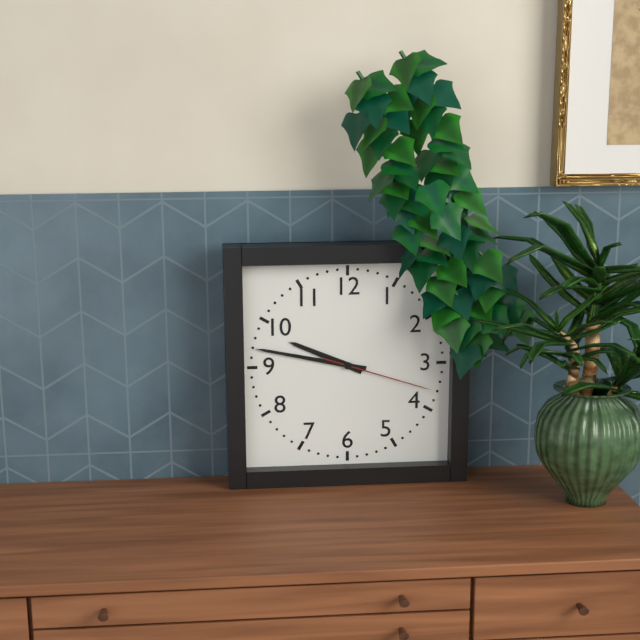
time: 9:47:18
